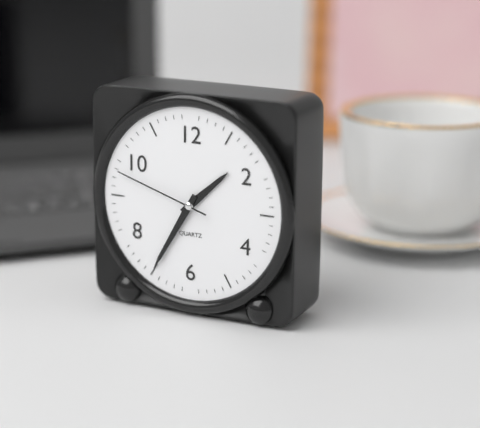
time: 1:35:48
